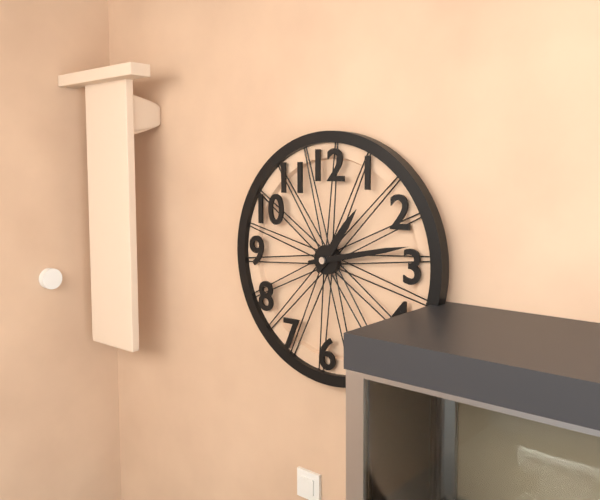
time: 1:13
